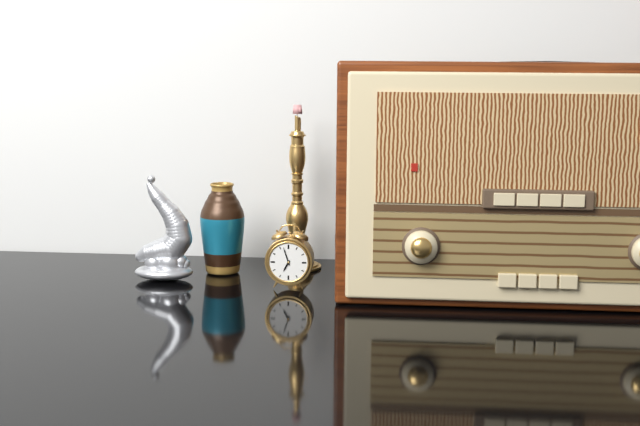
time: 6:57
